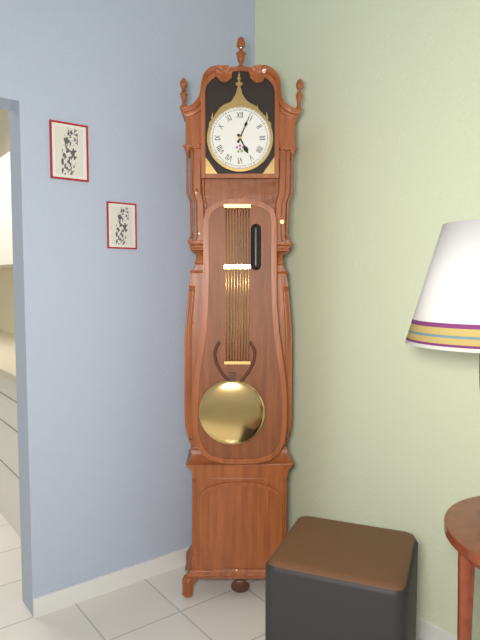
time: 5:04
